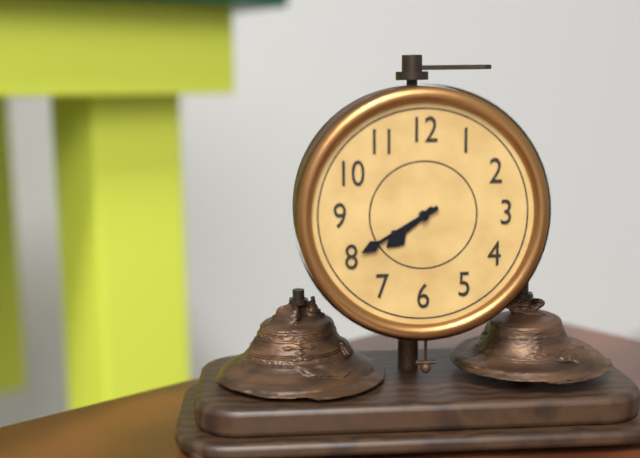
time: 7:40
